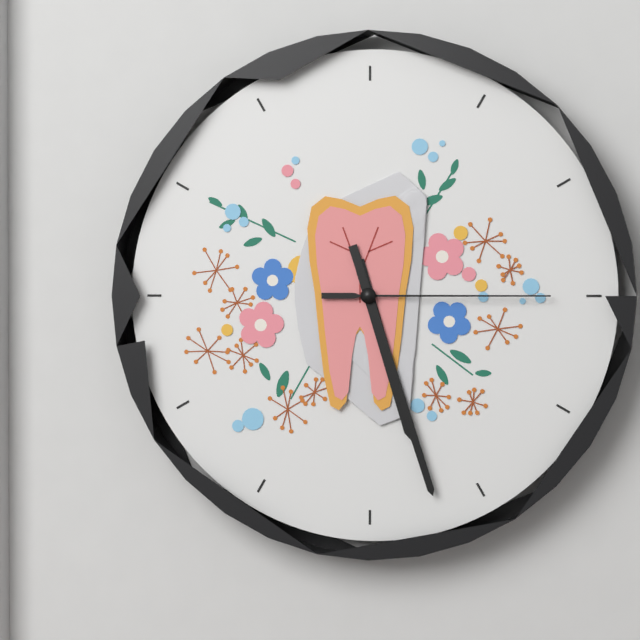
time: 5:27:15
